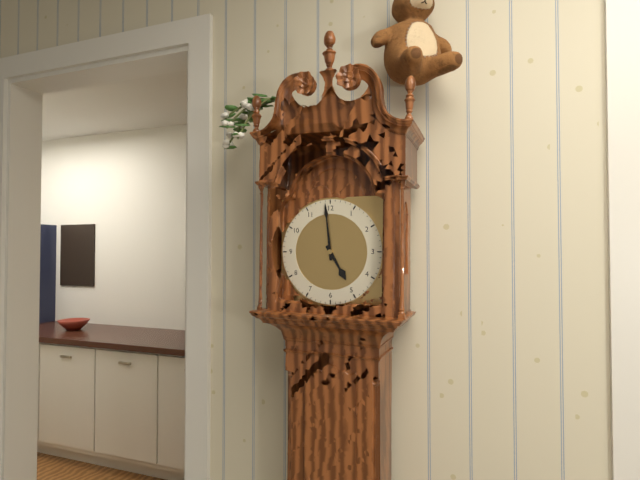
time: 4:59
